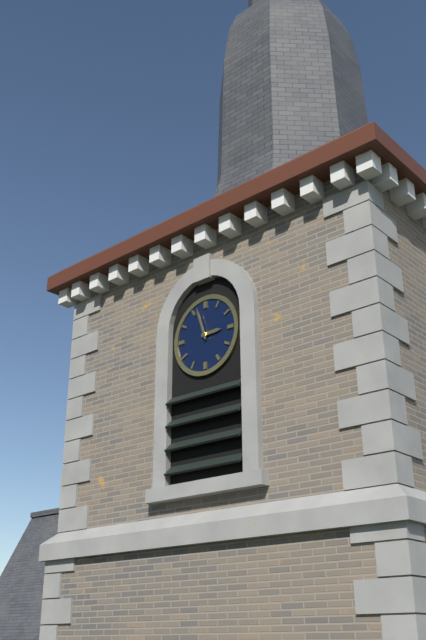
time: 2:57
